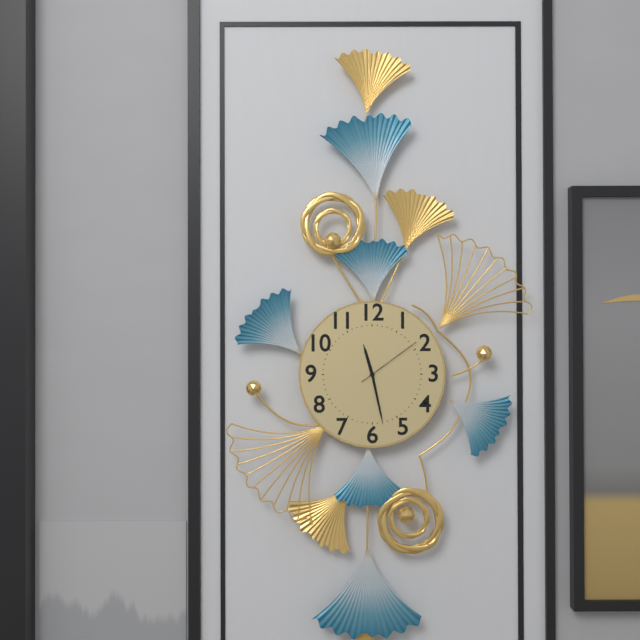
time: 11:28:09
